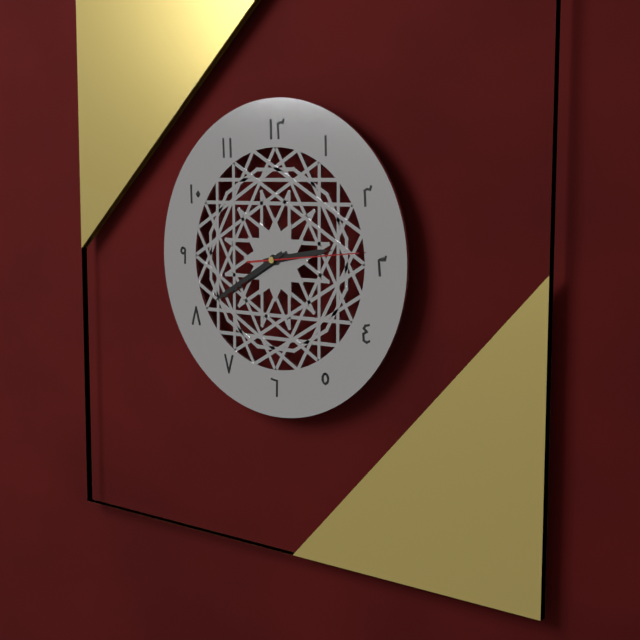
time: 2:40:14
